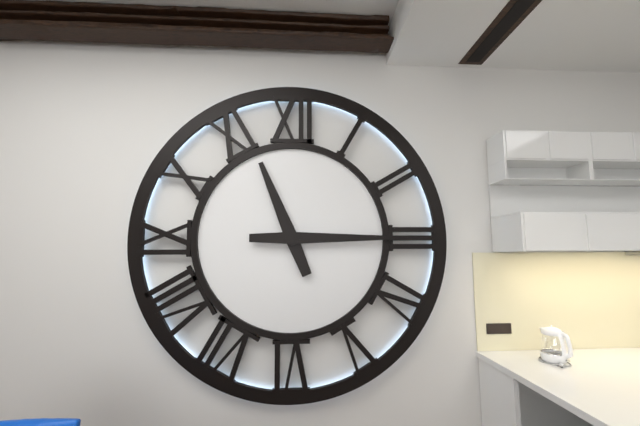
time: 11:15
